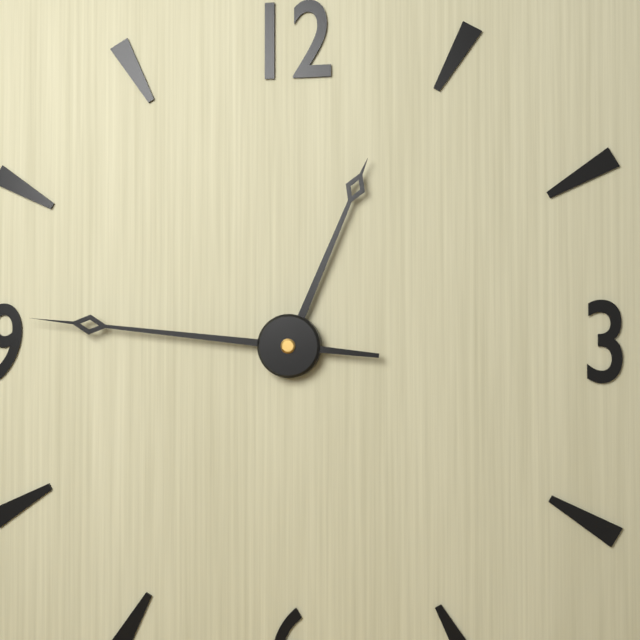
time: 12:46
